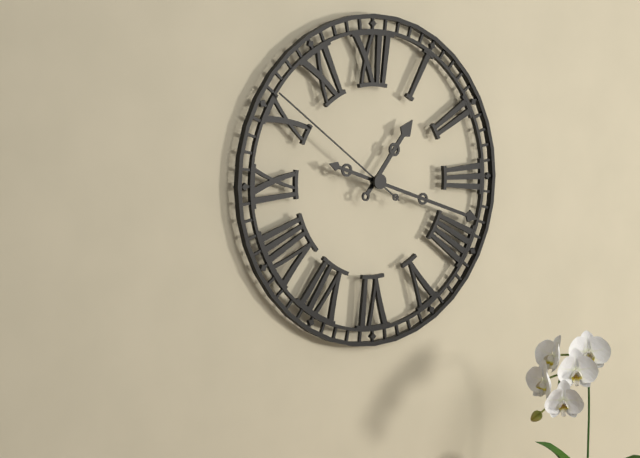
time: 1:18:51
